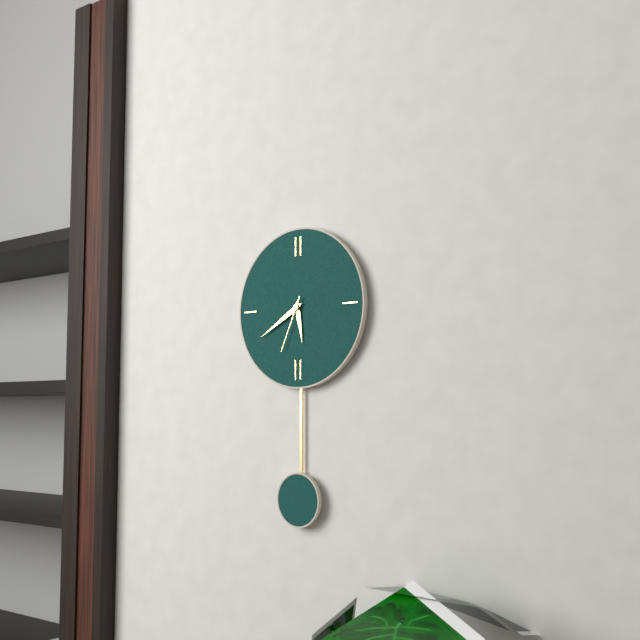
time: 5:40:34
